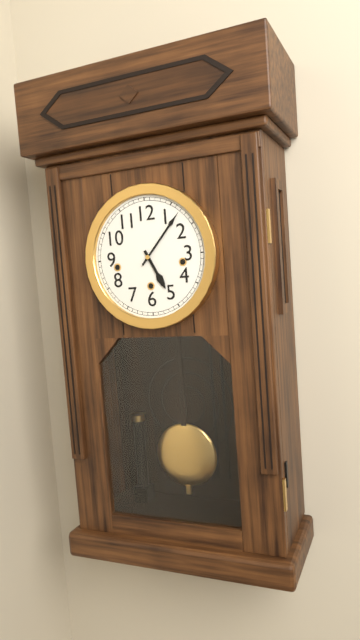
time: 5:07
